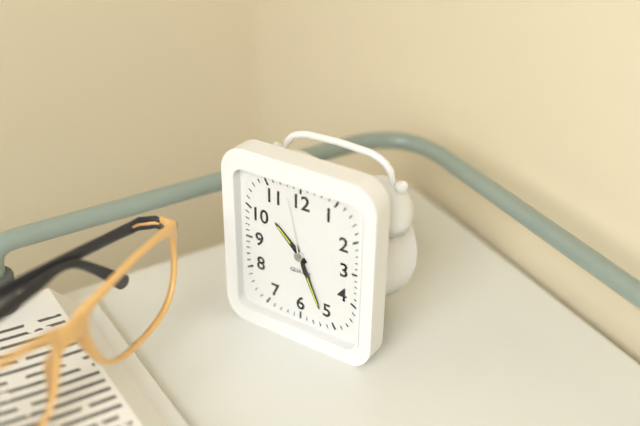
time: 10:26:58
